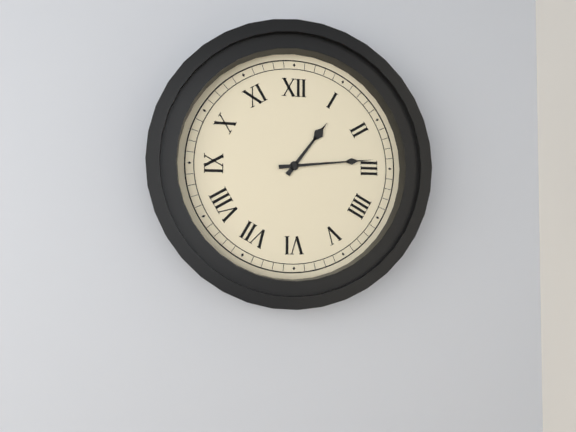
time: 1:14
